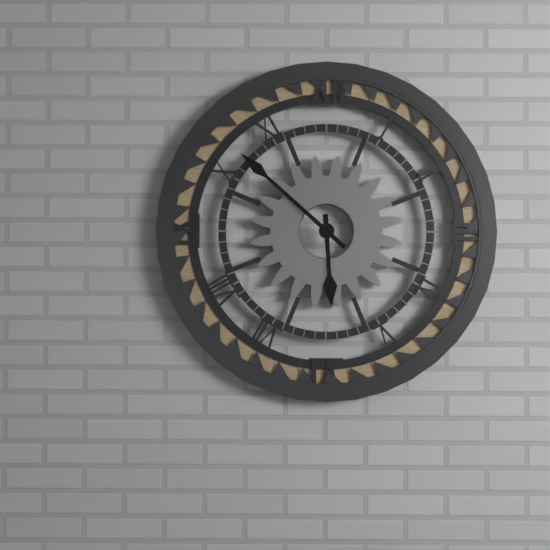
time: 5:52
